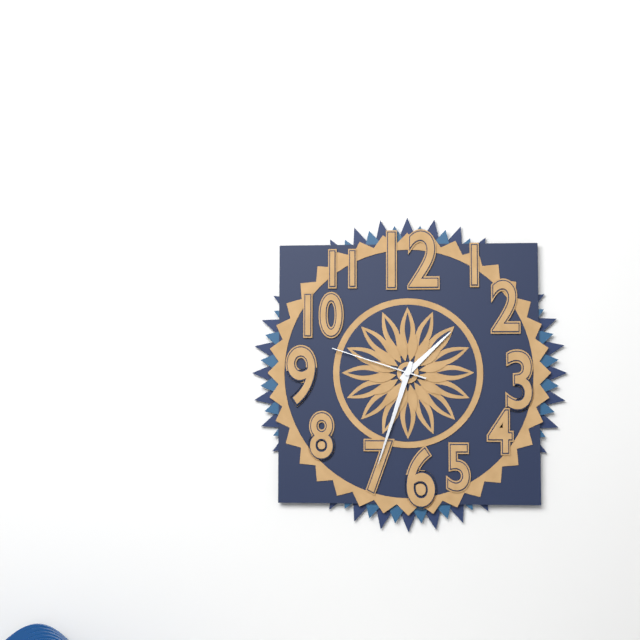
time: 1:33:48
